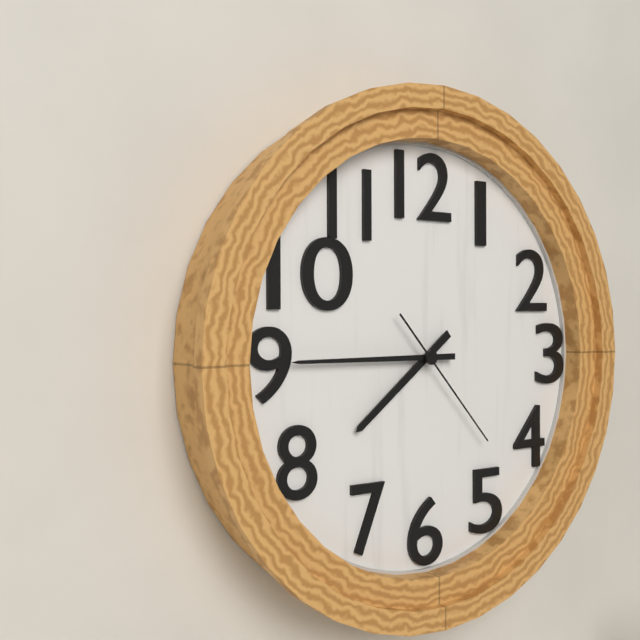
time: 7:45:23
